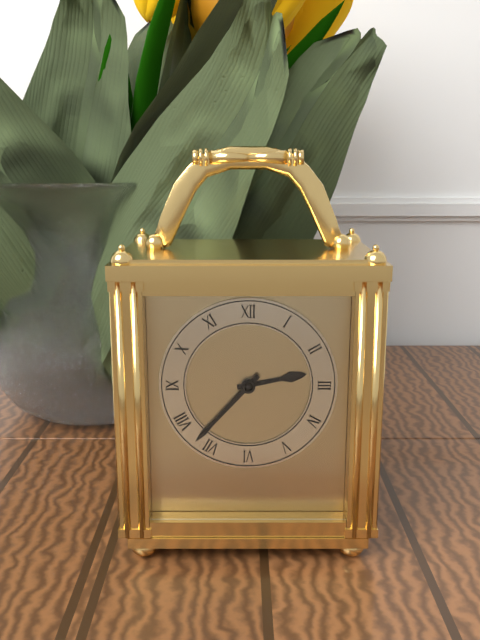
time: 2:37
